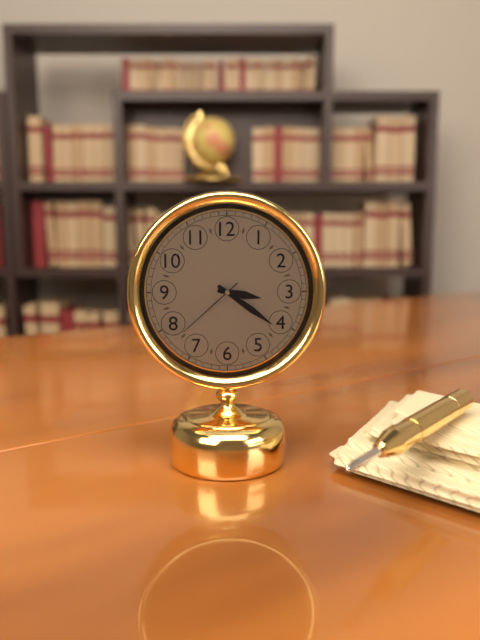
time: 3:21:38
